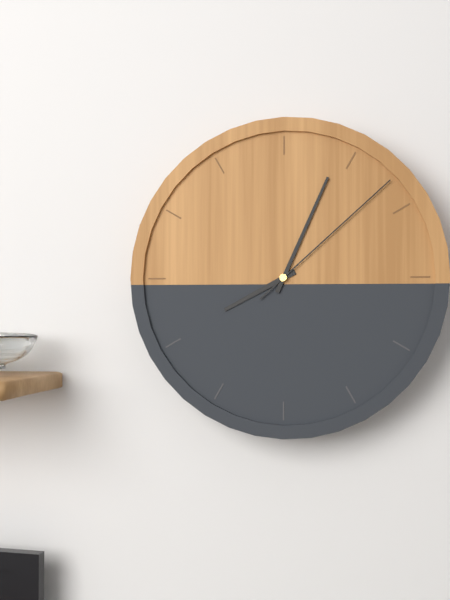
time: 8:04:08
